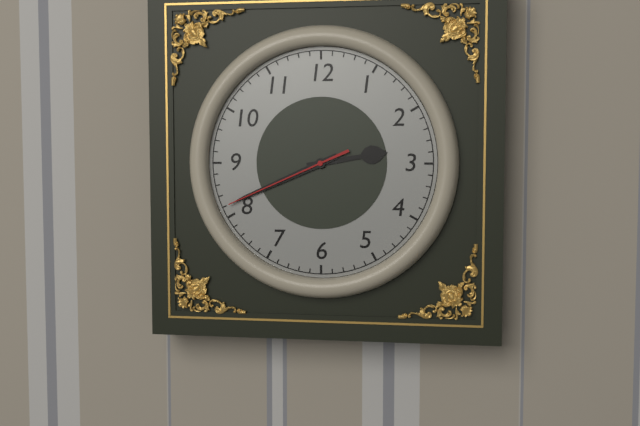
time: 2:41:41
